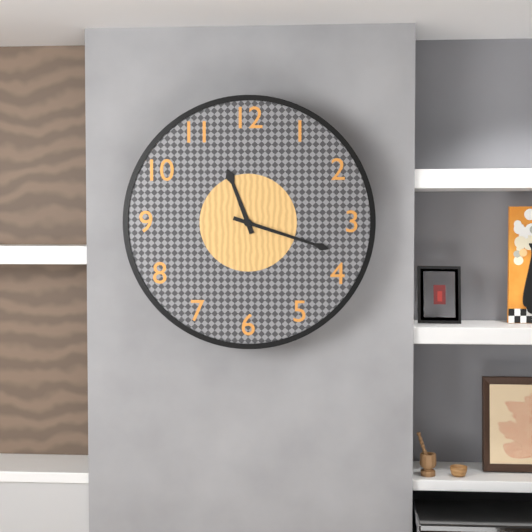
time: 11:18
